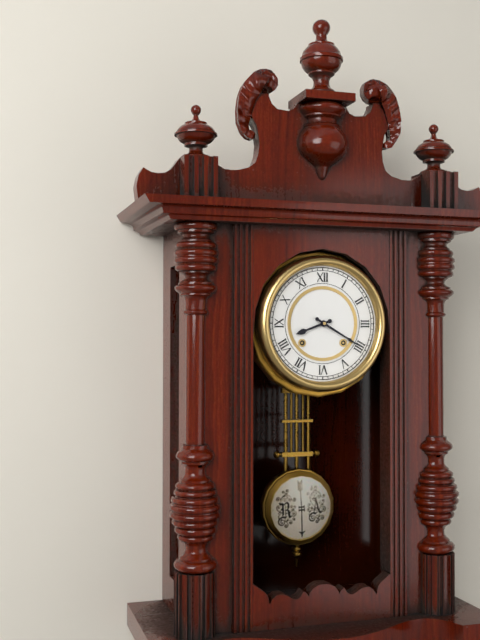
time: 8:20
